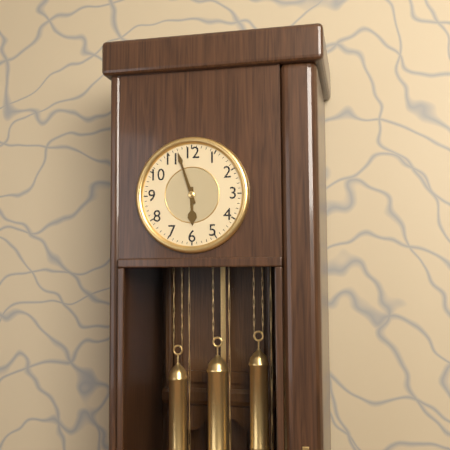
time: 5:57
